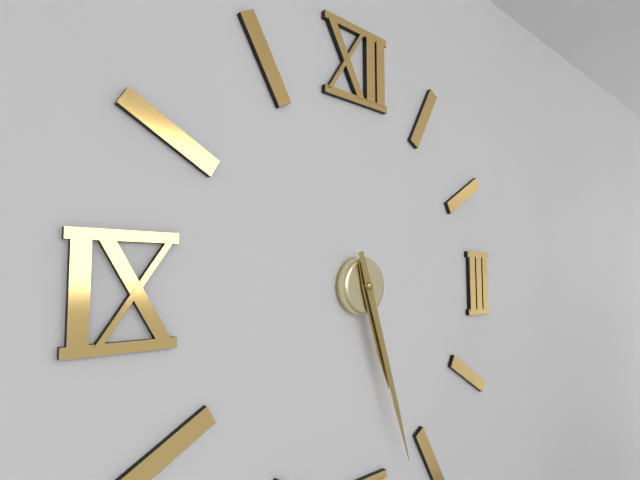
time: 5:27
